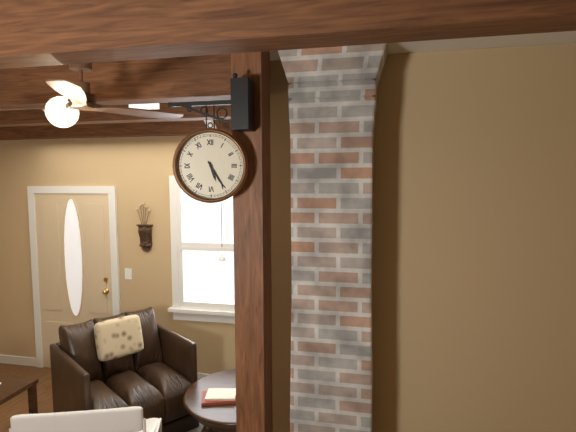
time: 5:25
